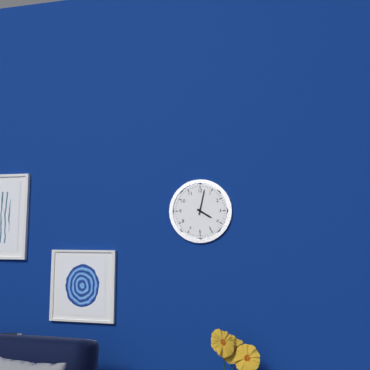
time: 4:02
